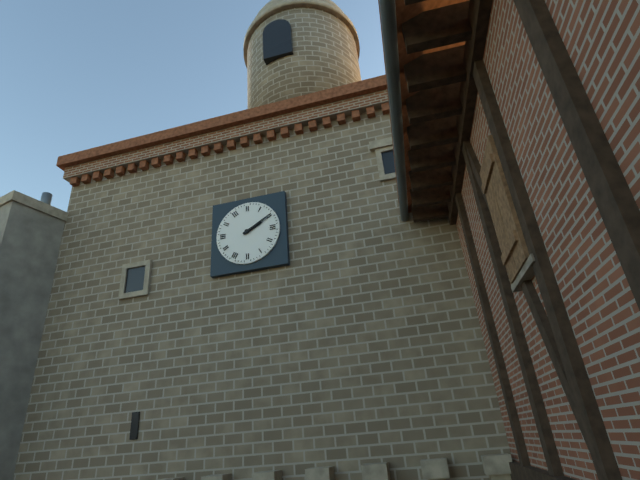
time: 2:10
